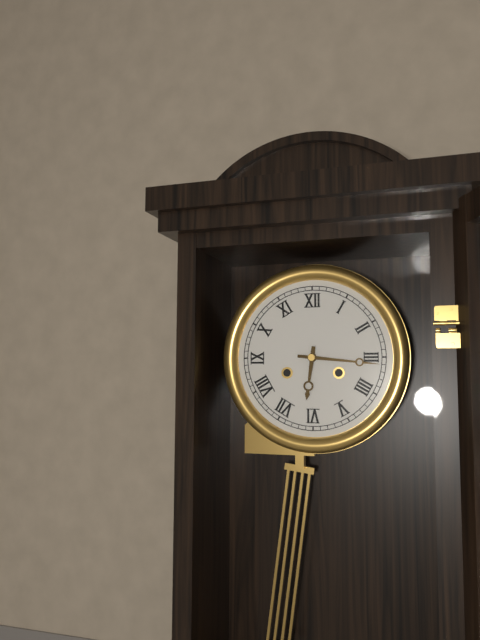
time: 6:16
